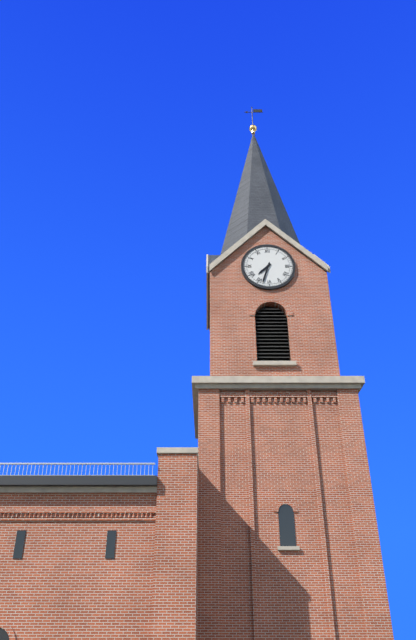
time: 7:33
